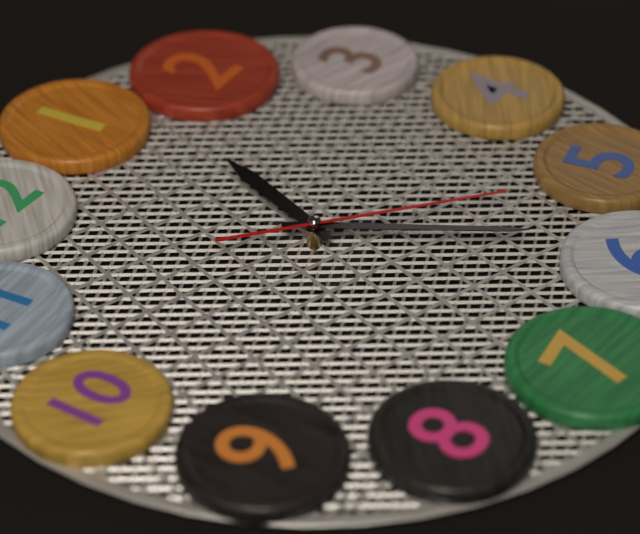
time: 1:29:26
